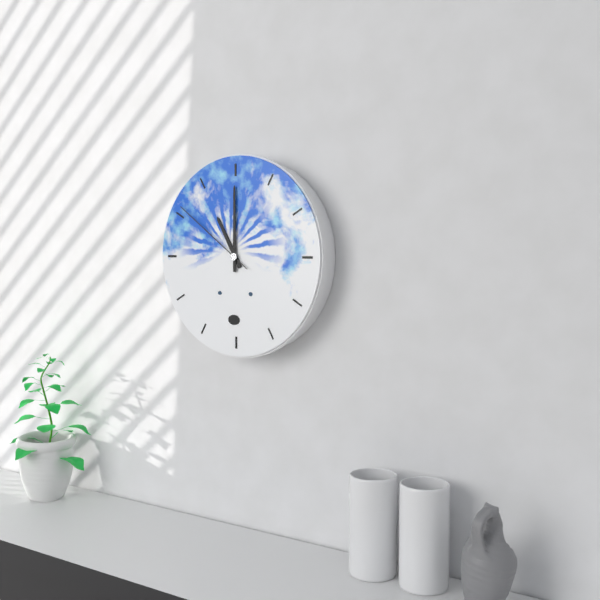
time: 11:00:51
